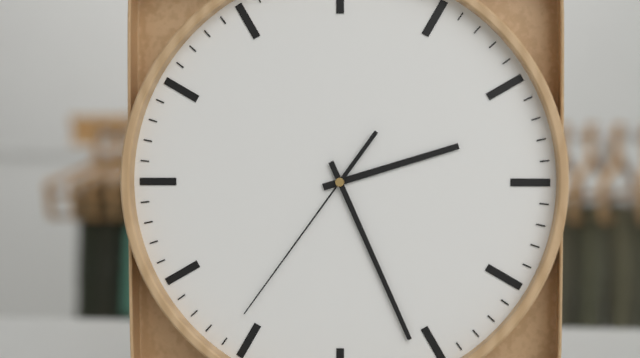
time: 2:26:36
